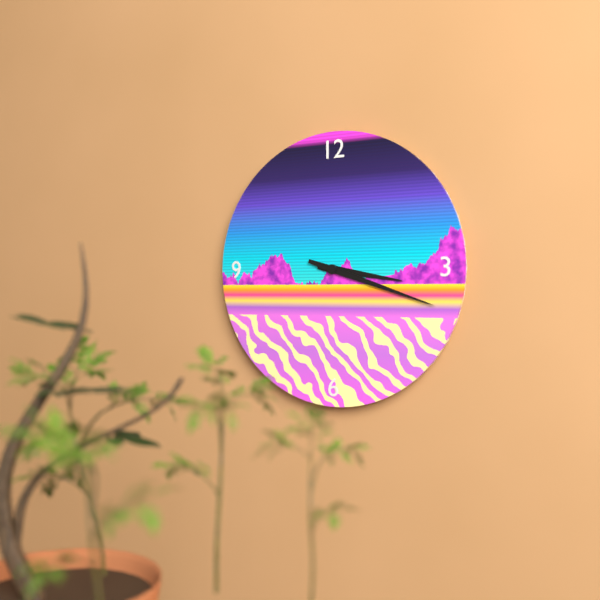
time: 3:18
